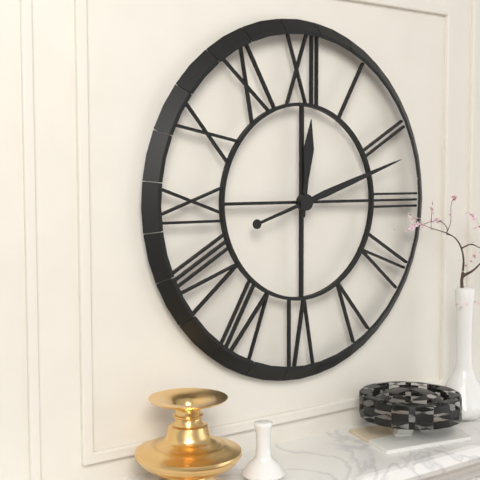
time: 12:12
